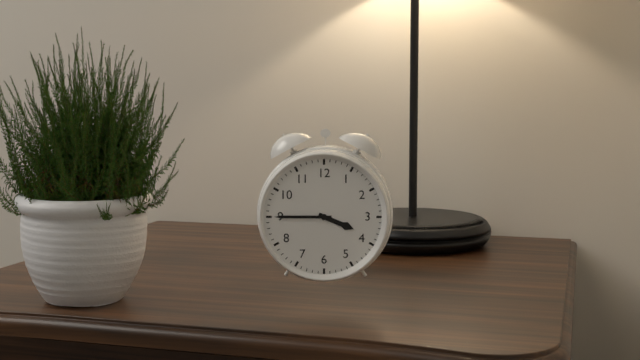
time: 3:45
